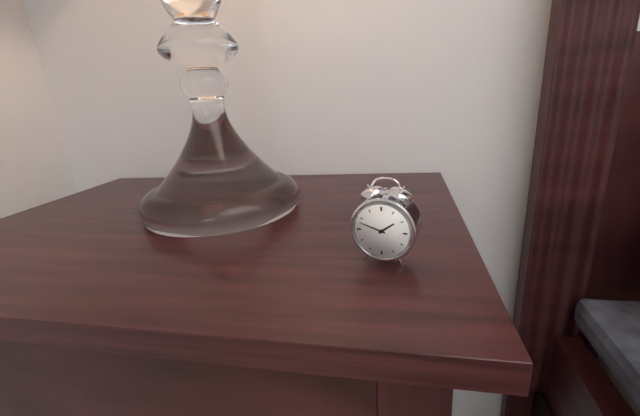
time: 1:48
